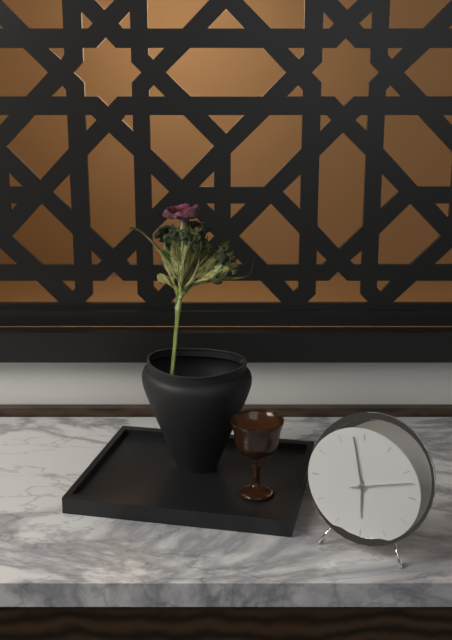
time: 5:58:12
